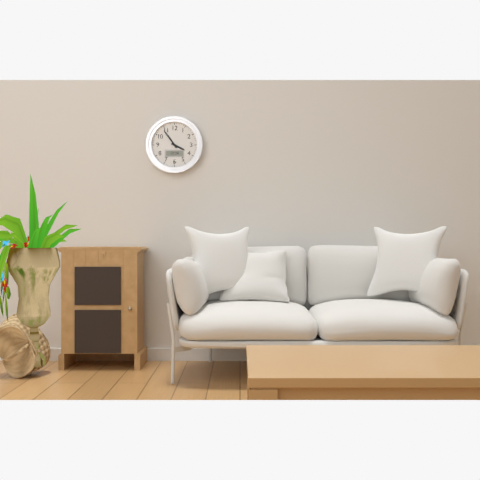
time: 3:54
